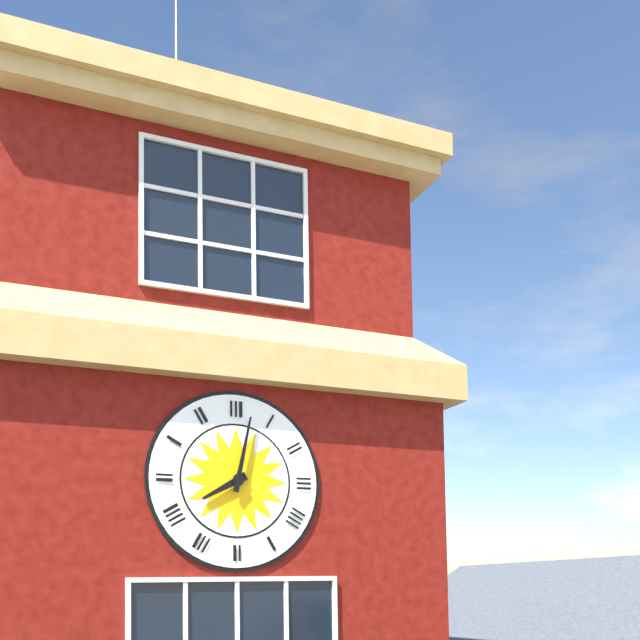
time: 8:02
